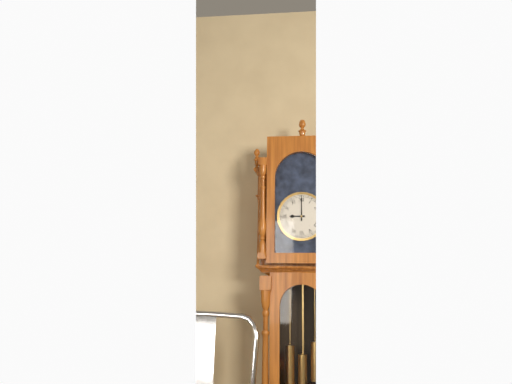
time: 9:00
